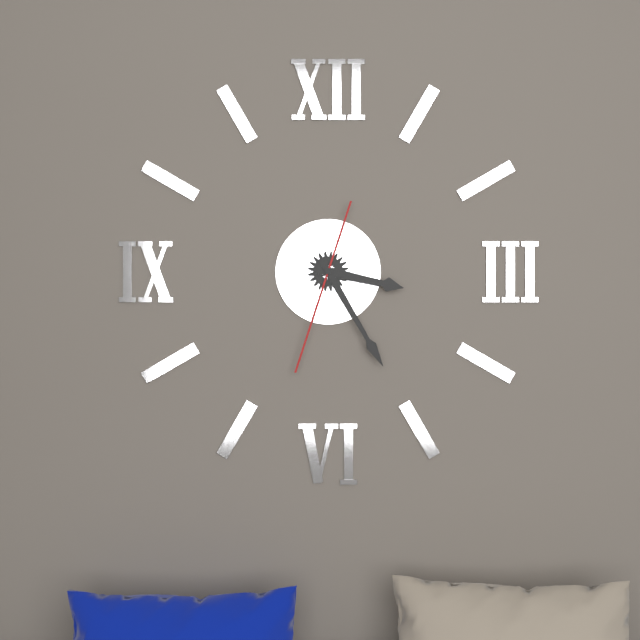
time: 3:25:33
